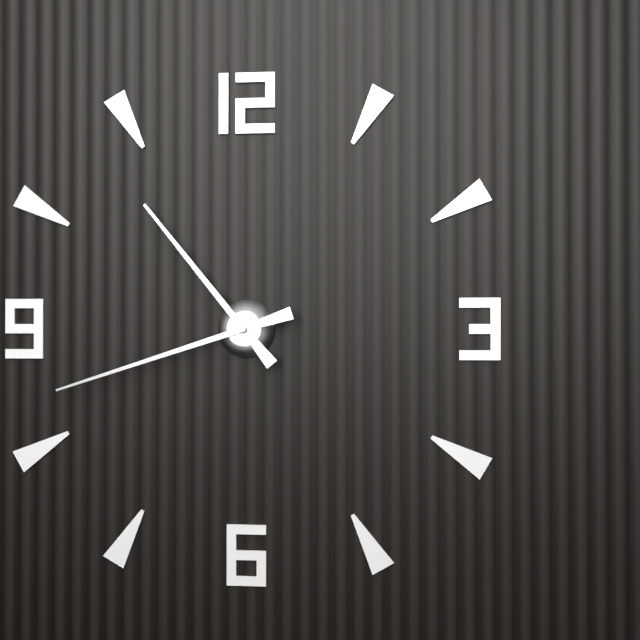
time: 10:42
